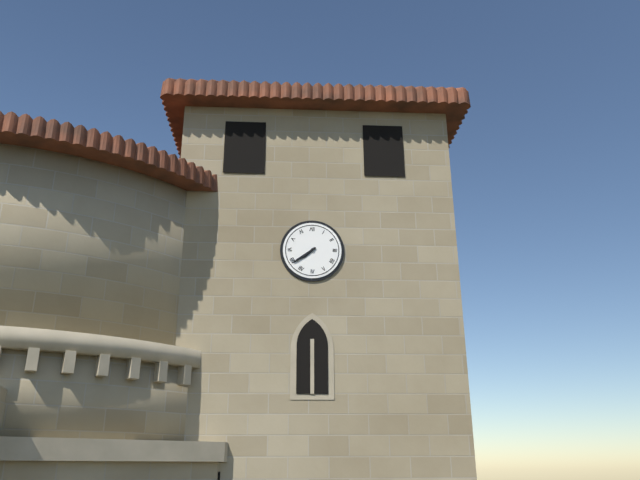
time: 7:39
